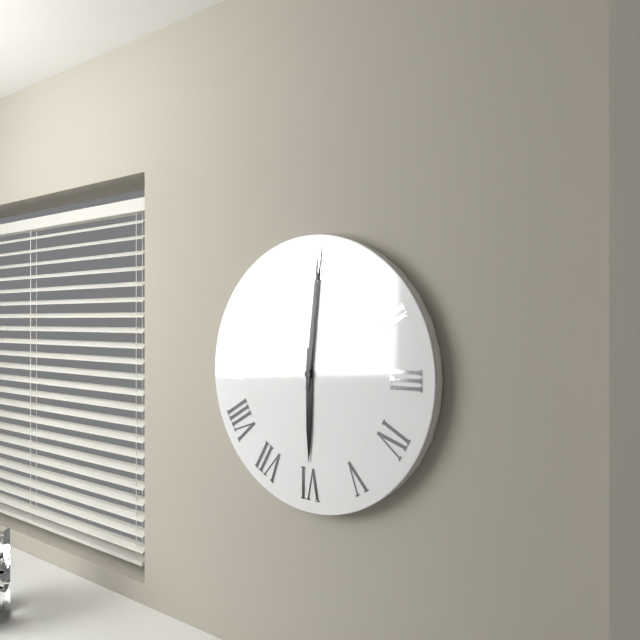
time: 6:01
